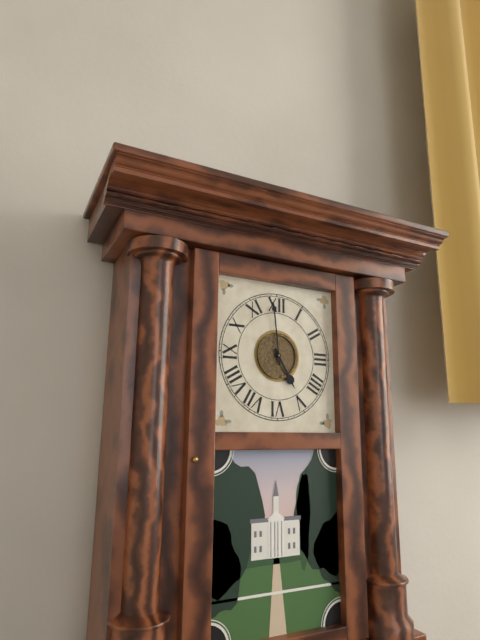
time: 4:59
